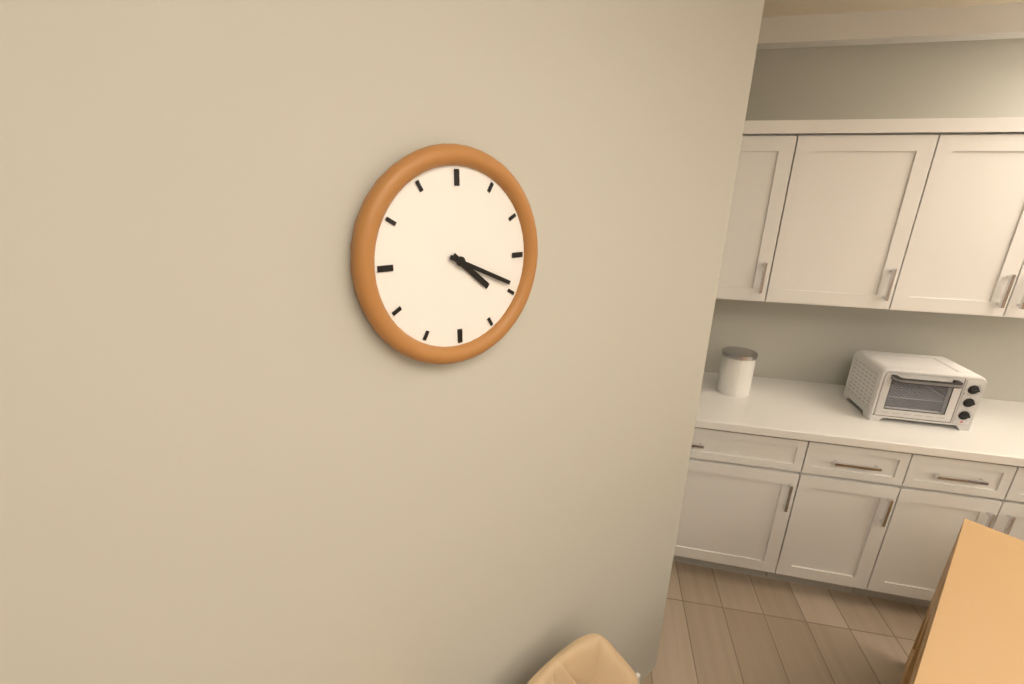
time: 4:19
